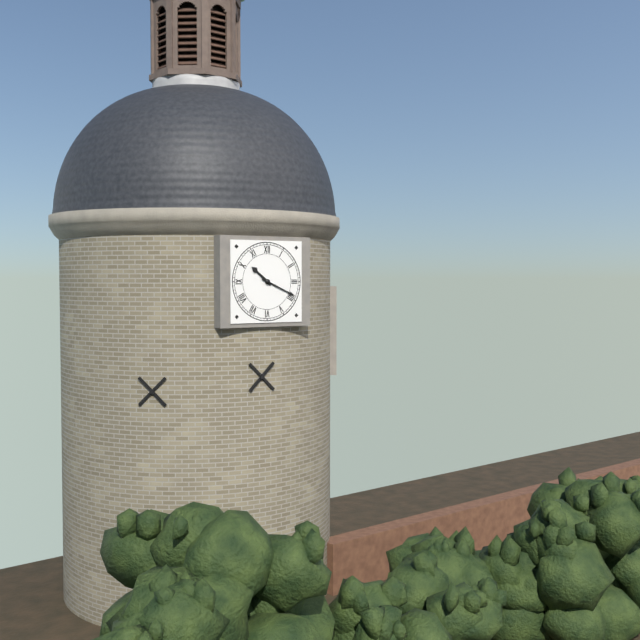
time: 10:19
